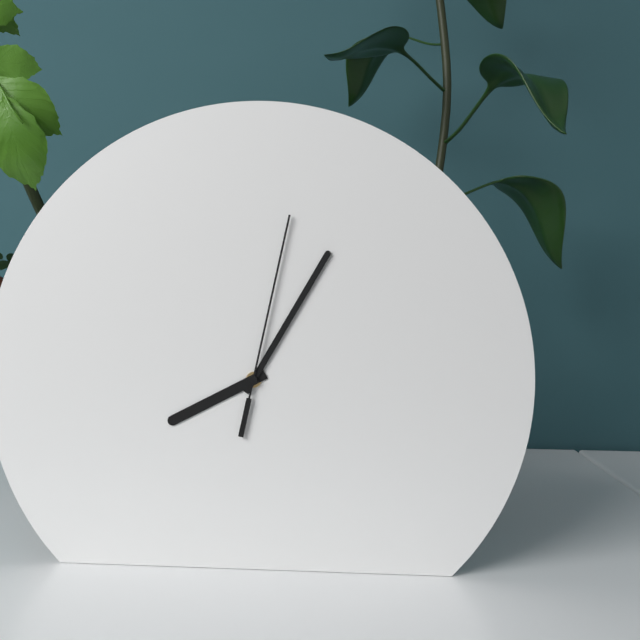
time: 8:05:02
